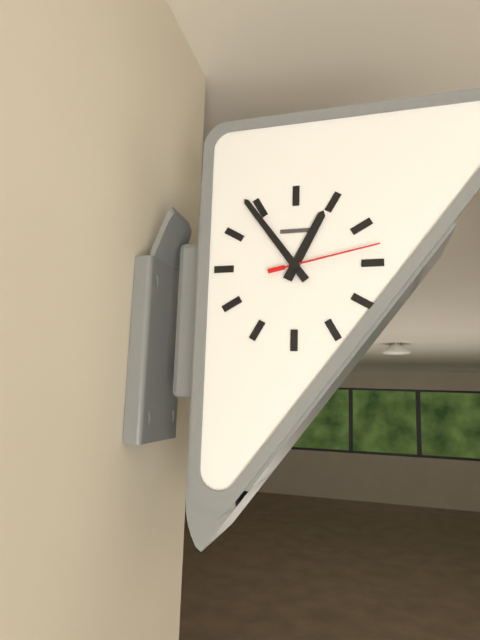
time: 12:54:13
